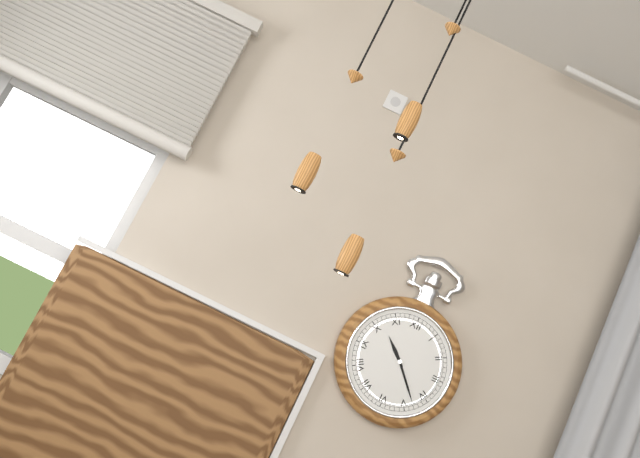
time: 10:23
